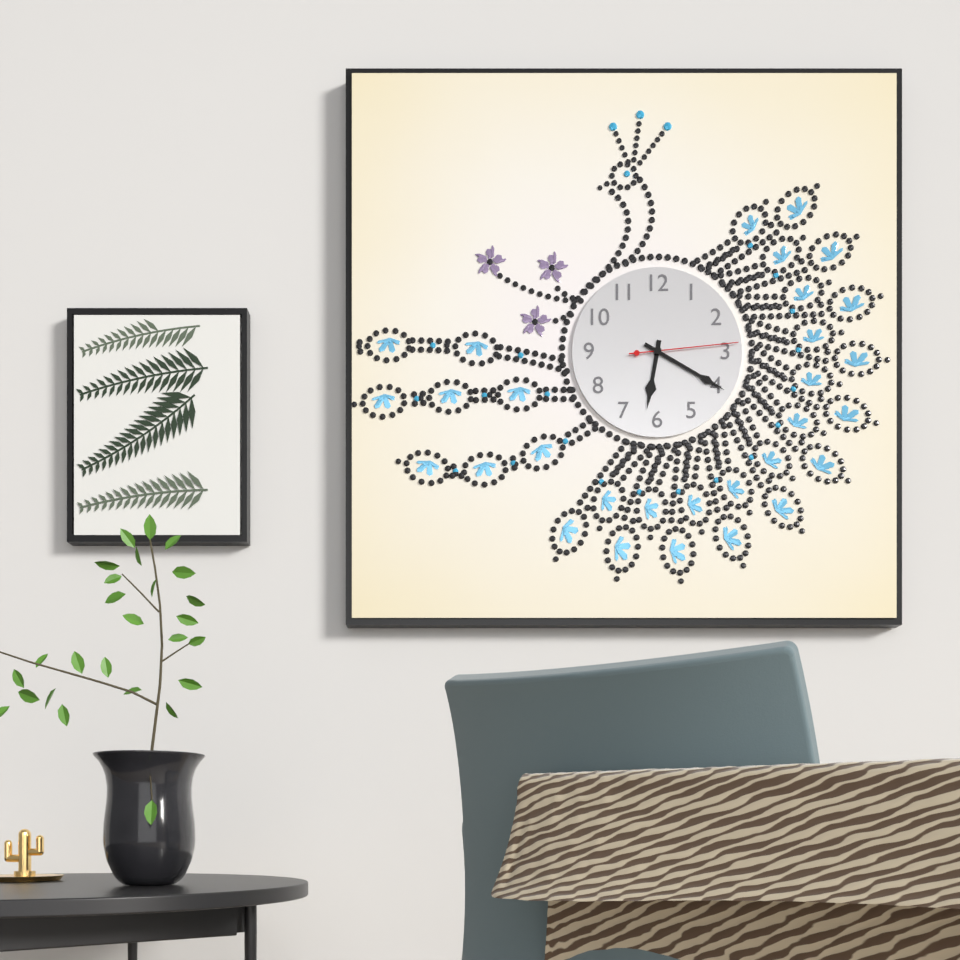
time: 6:20:14
